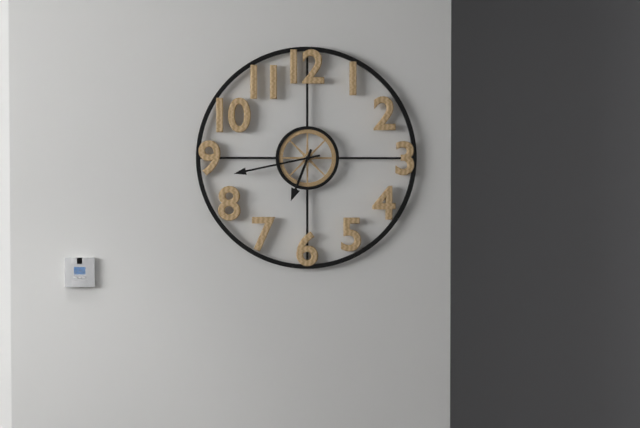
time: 6:43
